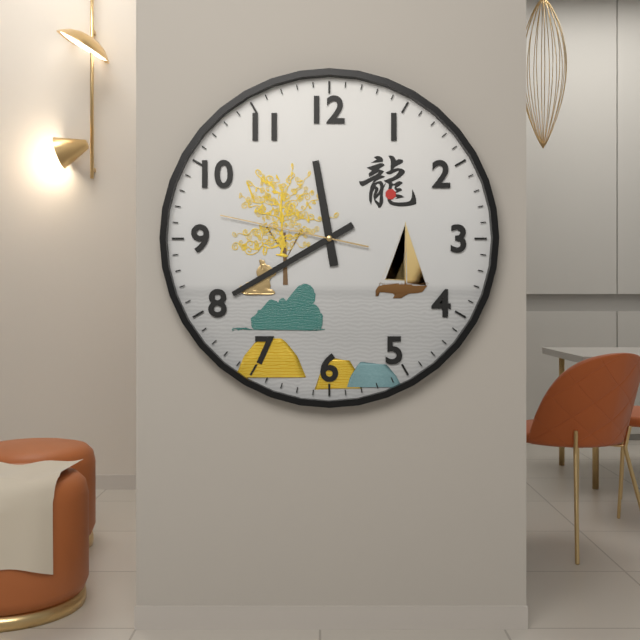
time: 11:40:47
